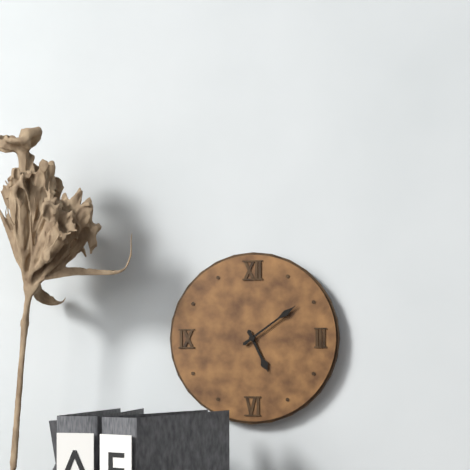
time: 5:09
